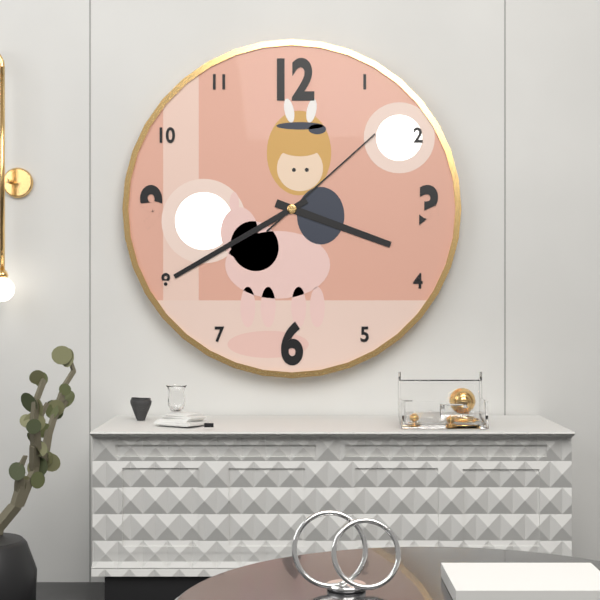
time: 3:40:08
